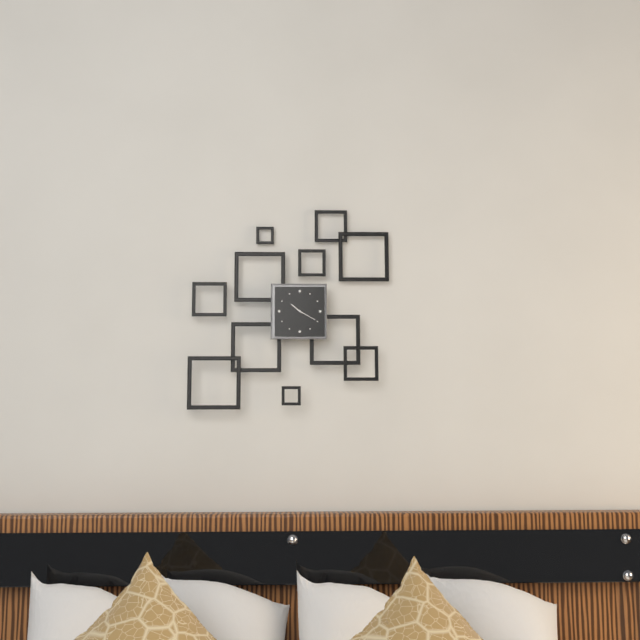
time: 10:20
